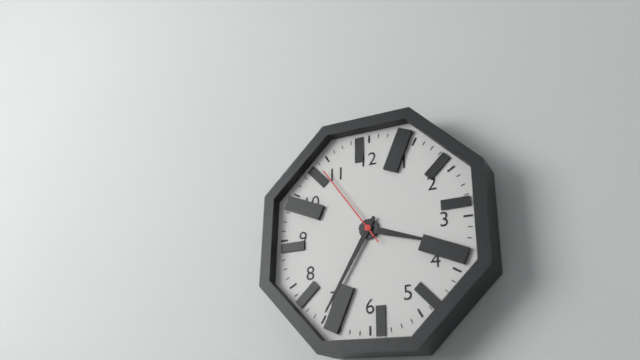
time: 3:35:54
